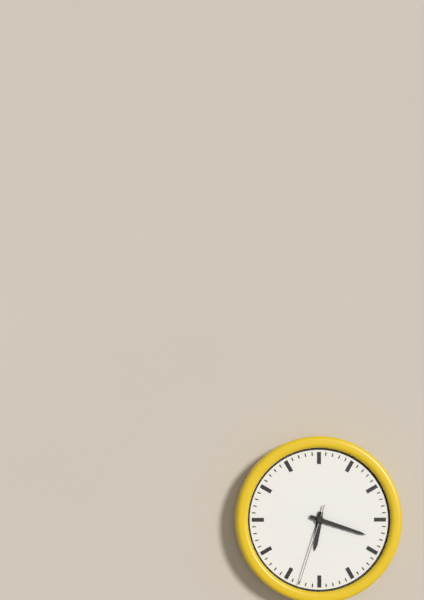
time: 6:18:33
